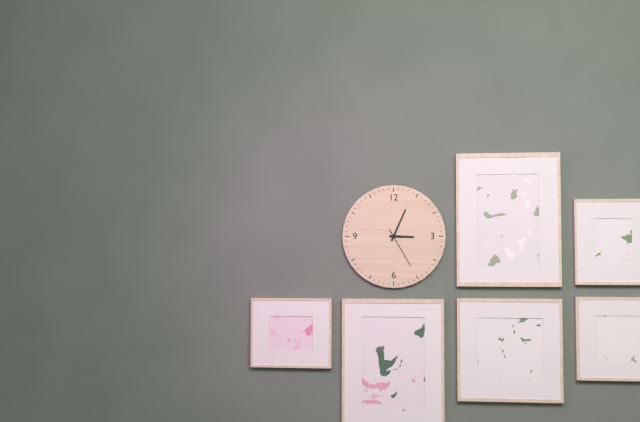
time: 3:04
